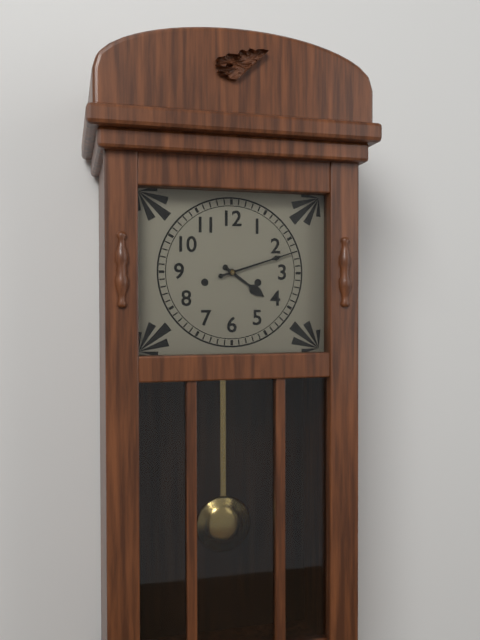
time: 4:12
